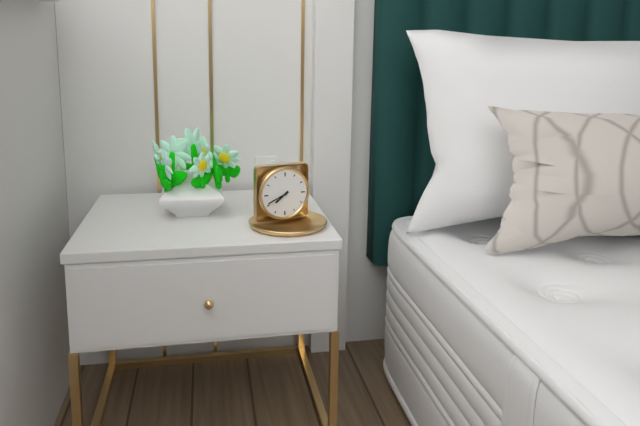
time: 7:41
